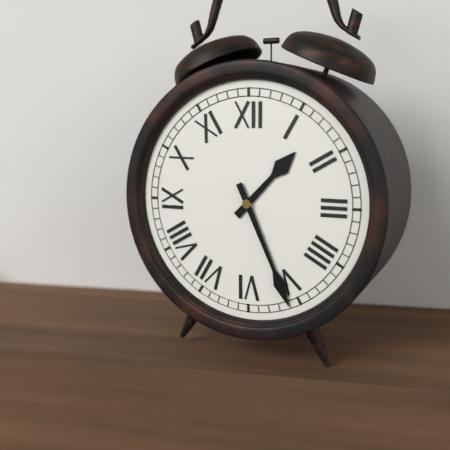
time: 1:26
